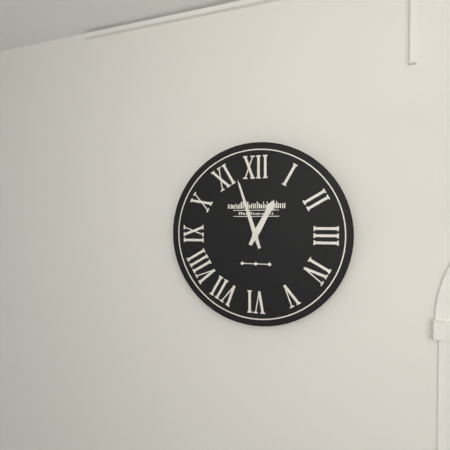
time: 12:57
